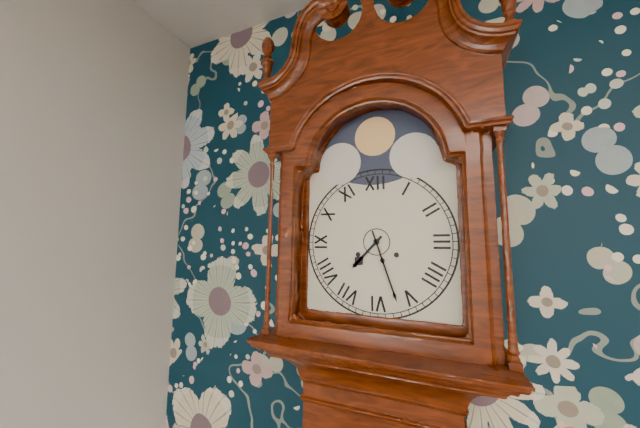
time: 7:27
